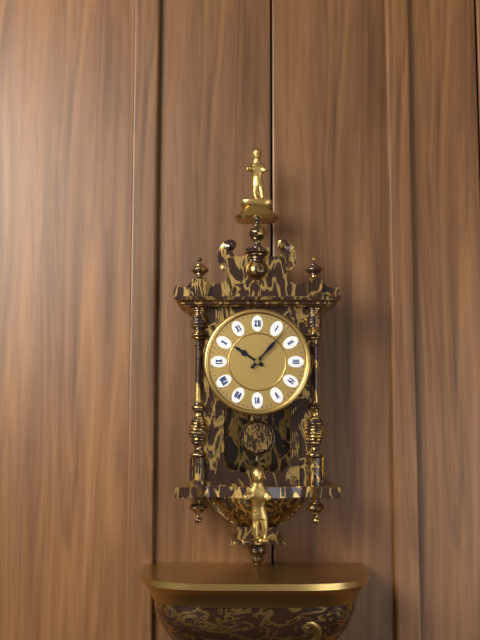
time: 10:07
